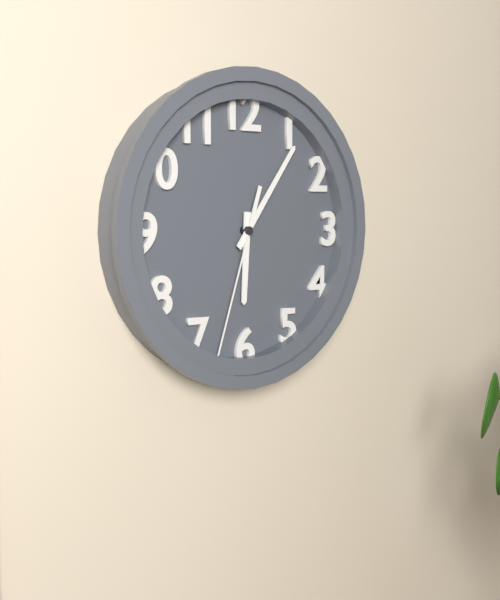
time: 6:06:33
